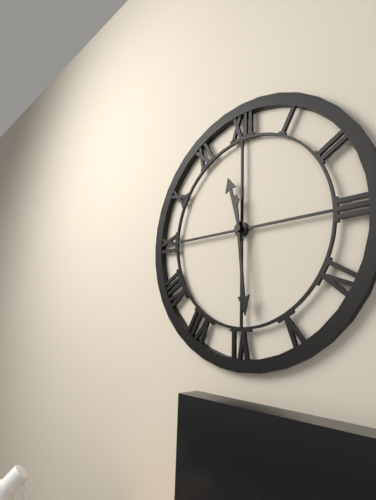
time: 11:29
